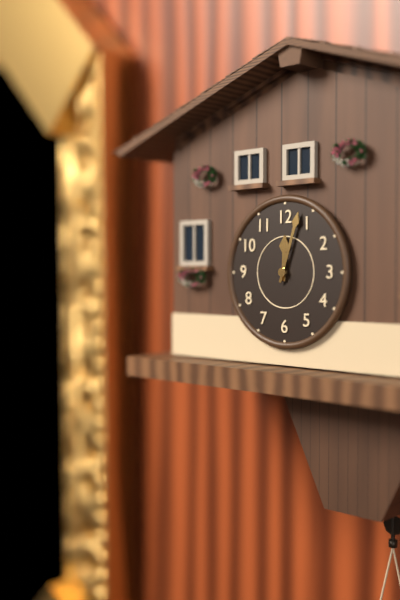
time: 12:03
